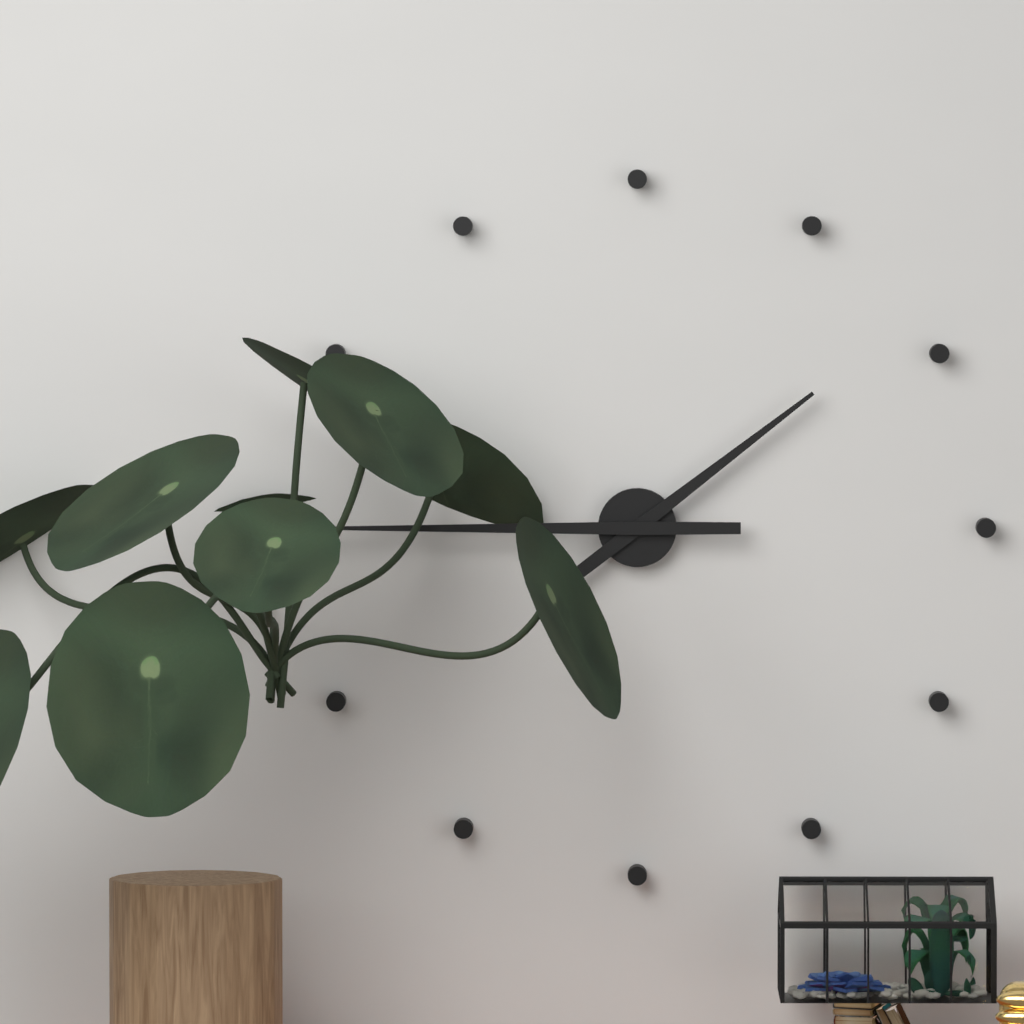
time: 1:45
